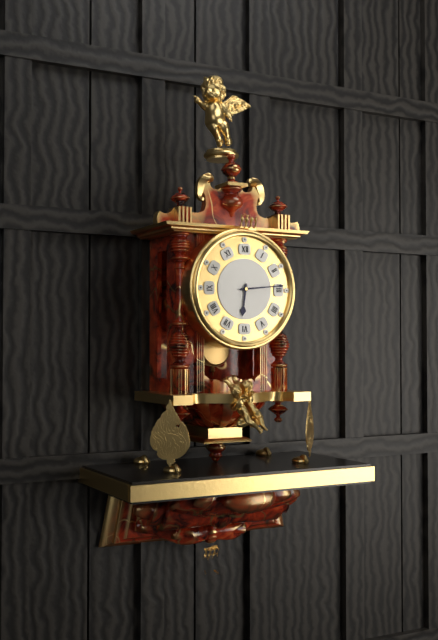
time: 6:14
